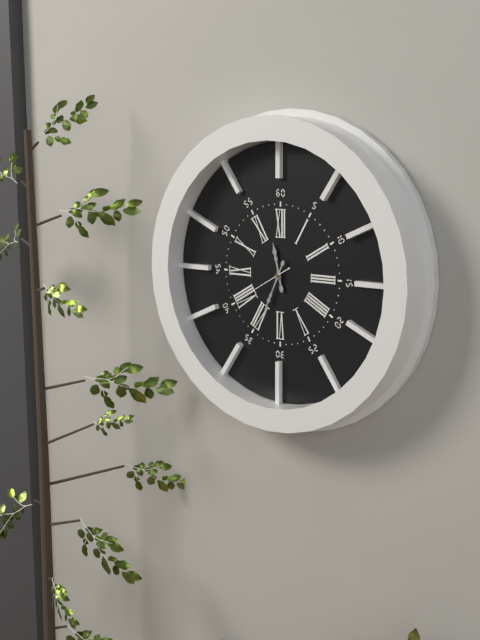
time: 11:34
